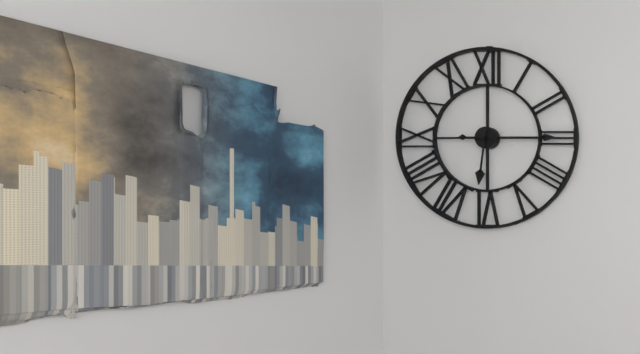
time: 6:15
